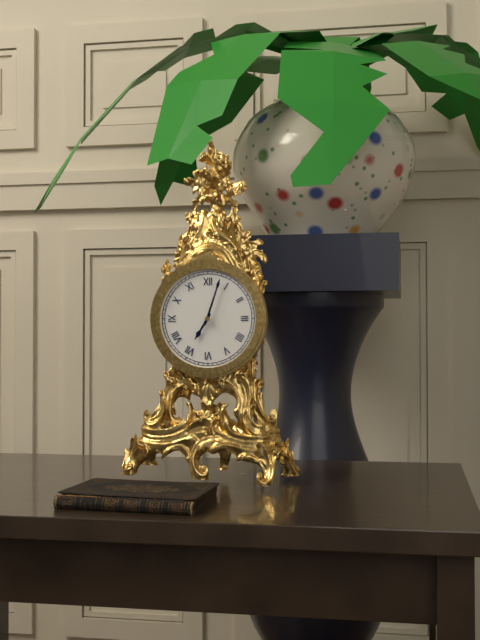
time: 7:03
